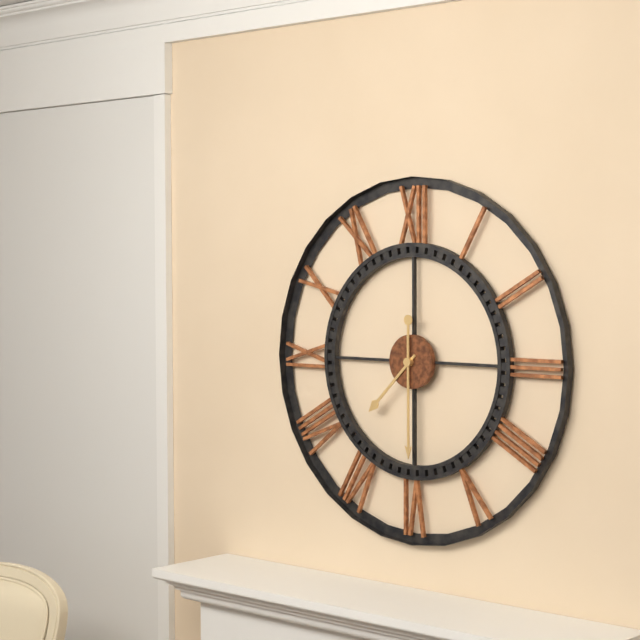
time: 7:30
